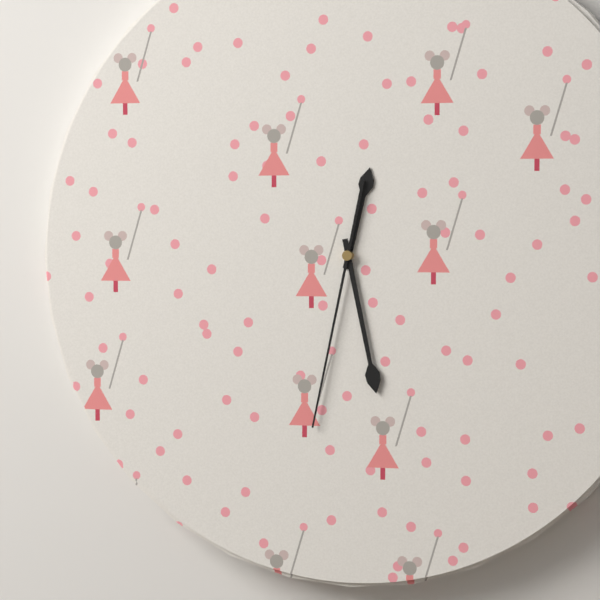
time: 12:28:32
